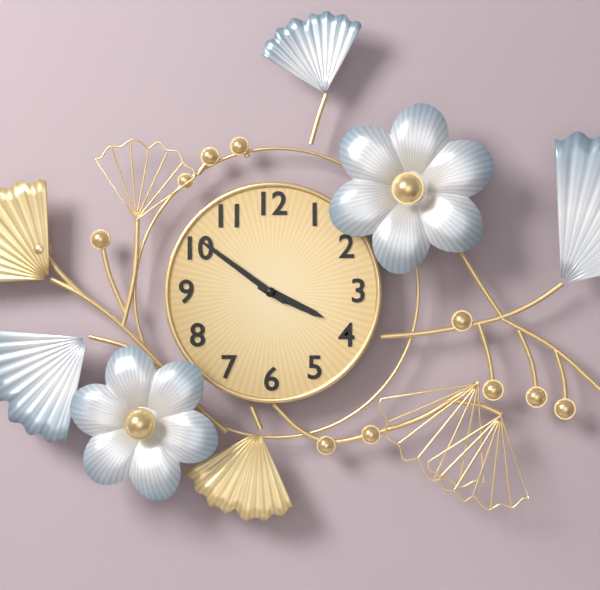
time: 3:51
